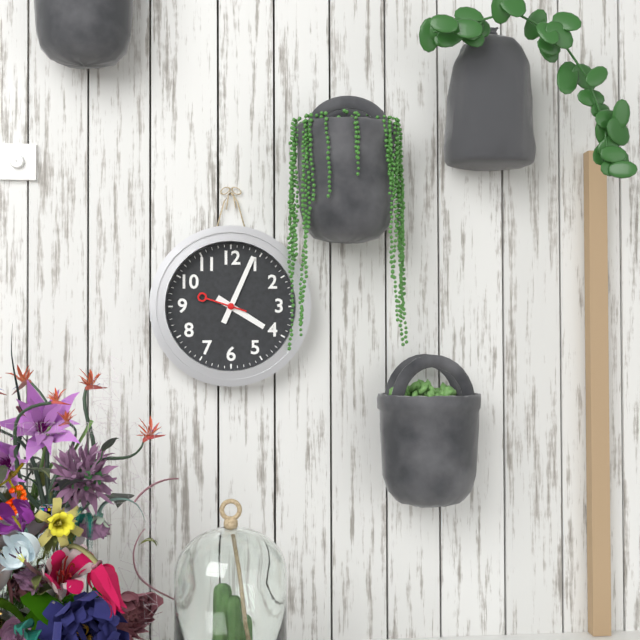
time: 4:04
